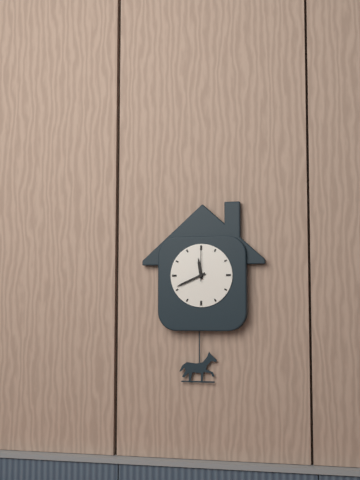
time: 11:41
